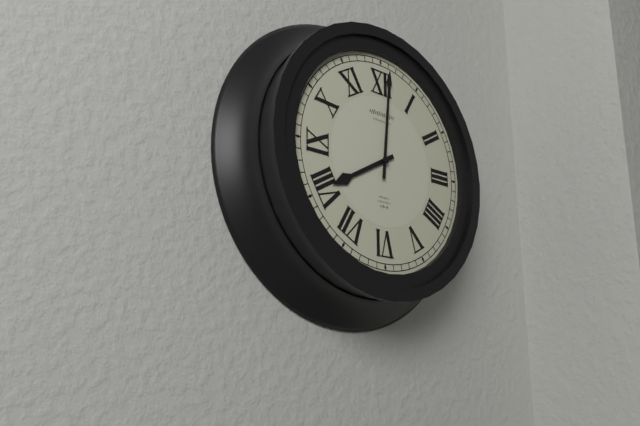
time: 8:01
